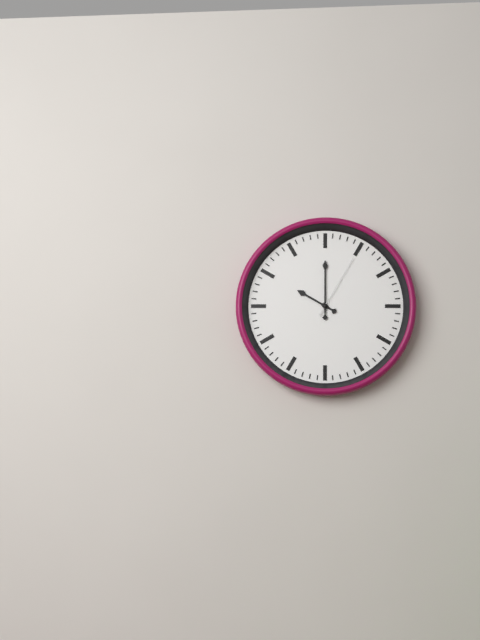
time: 10:00:05
